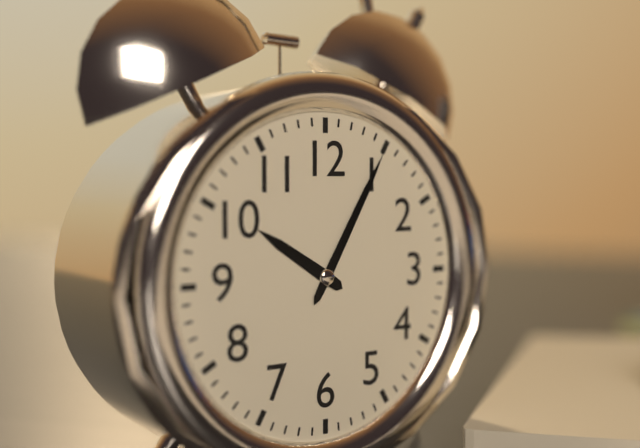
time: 10:05
